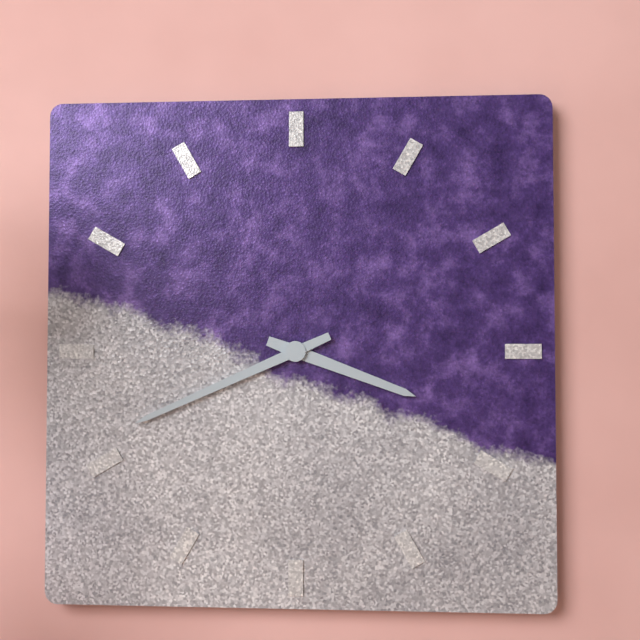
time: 3:41
